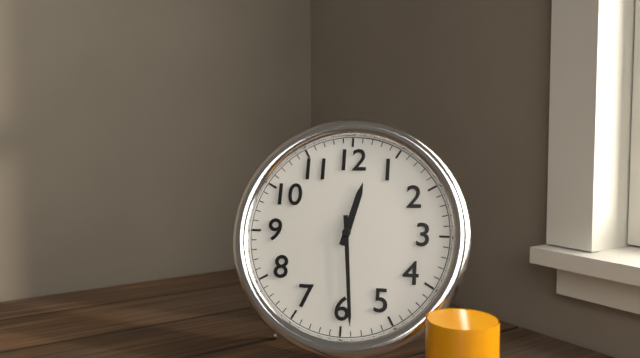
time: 12:29
